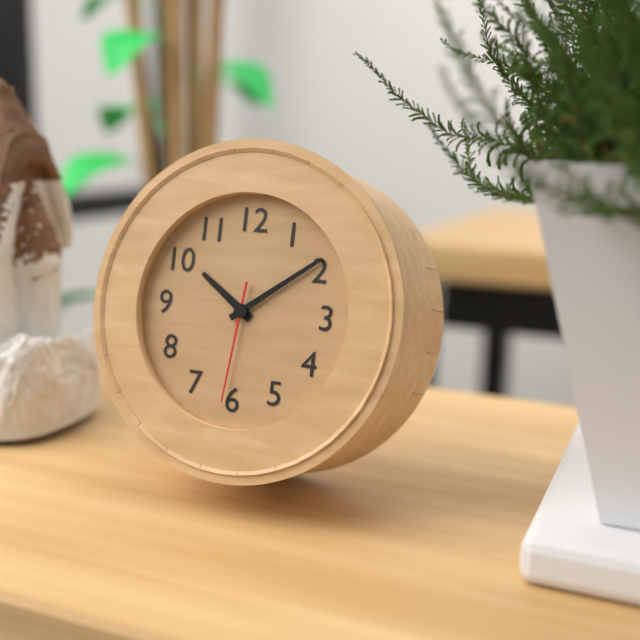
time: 10:09:31
